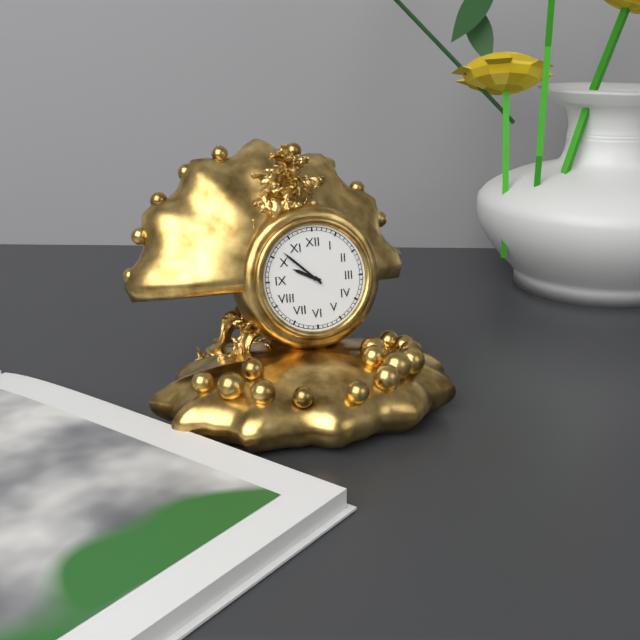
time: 9:52
